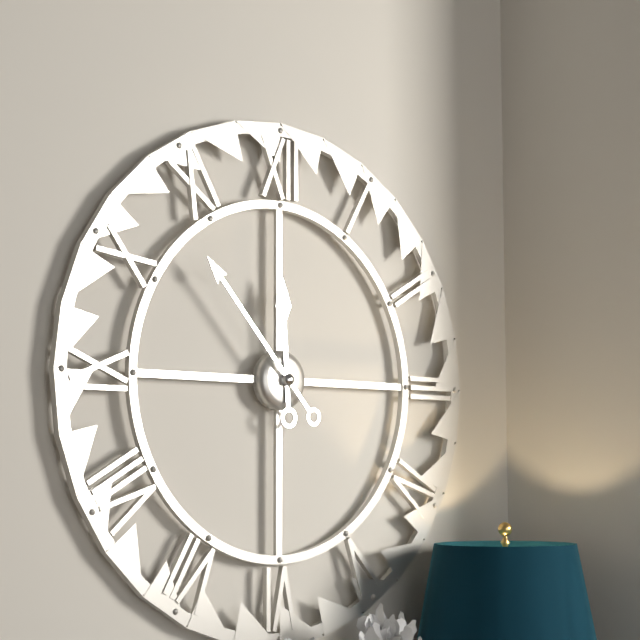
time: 11:53
